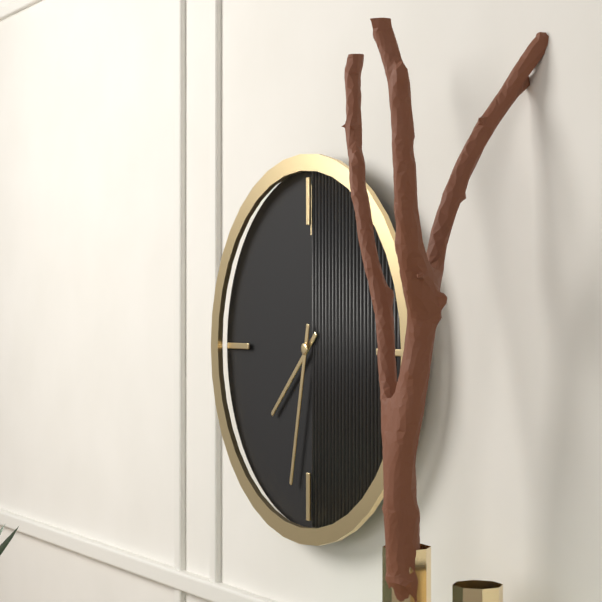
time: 7:32
